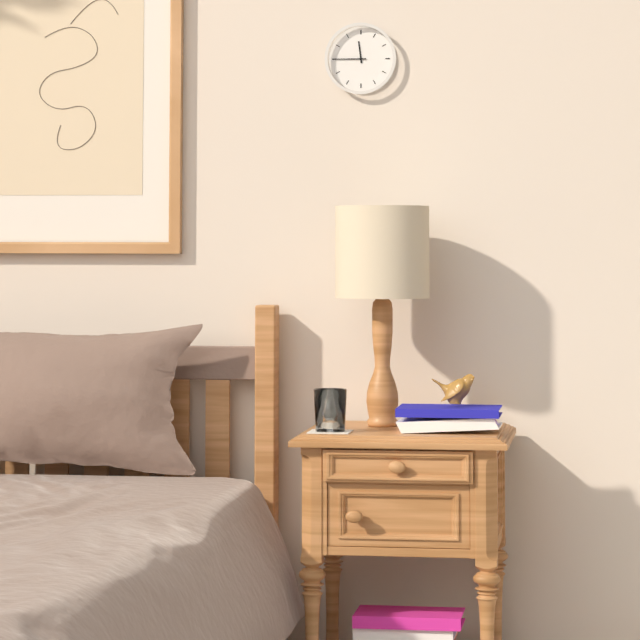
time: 11:45
